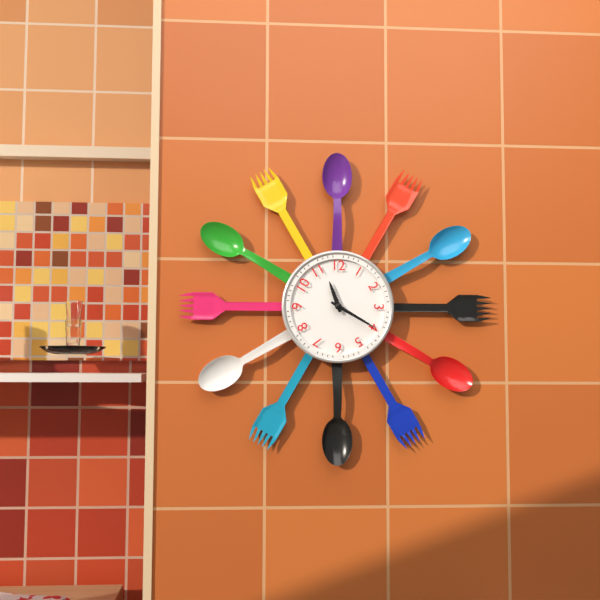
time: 11:20
